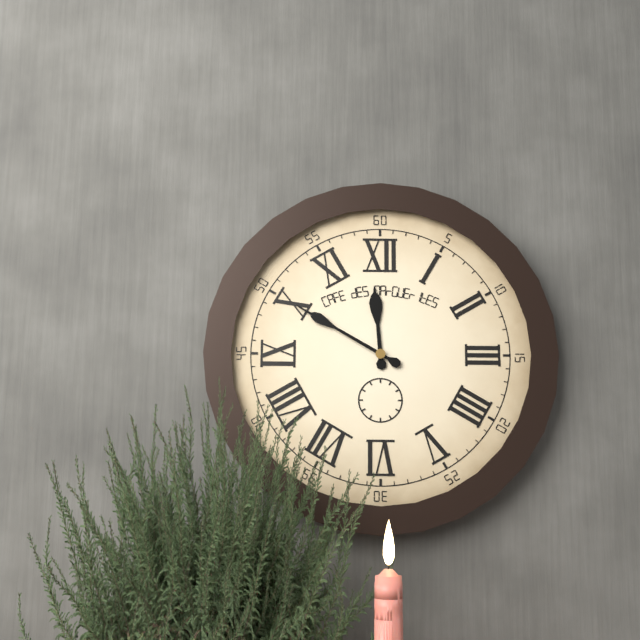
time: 11:50
